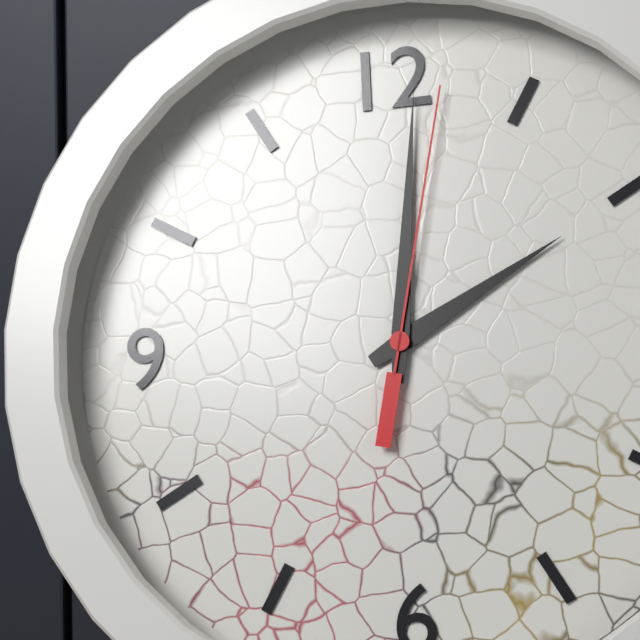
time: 2:01:02
